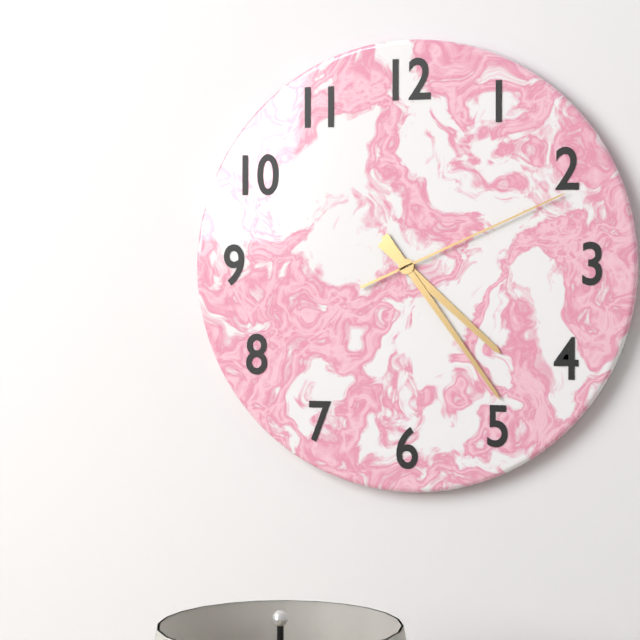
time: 4:24:11
